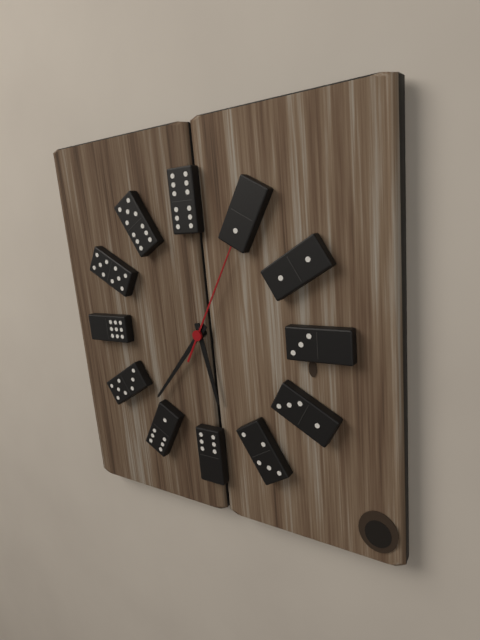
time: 5:37:05
